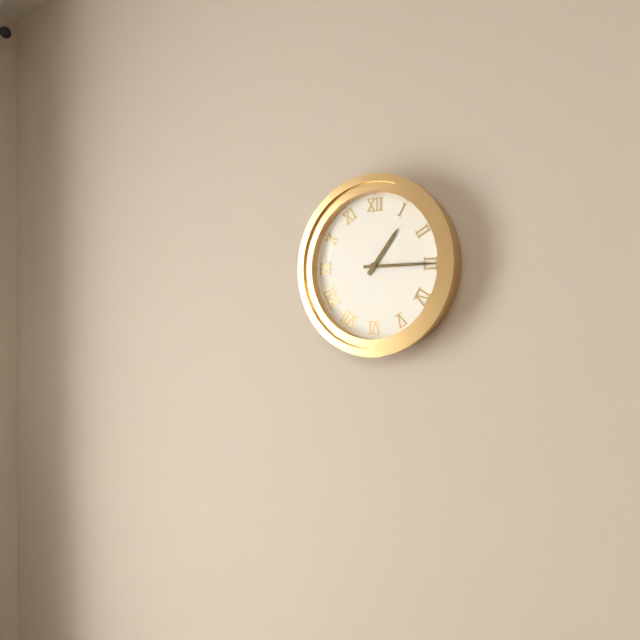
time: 1:15
